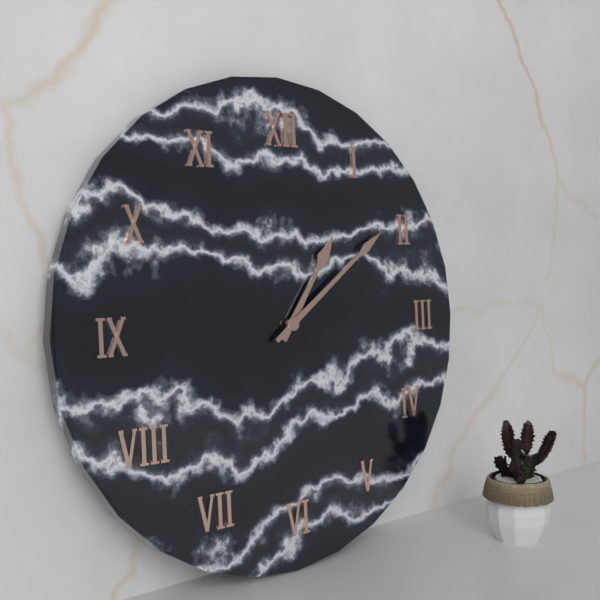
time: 1:09
